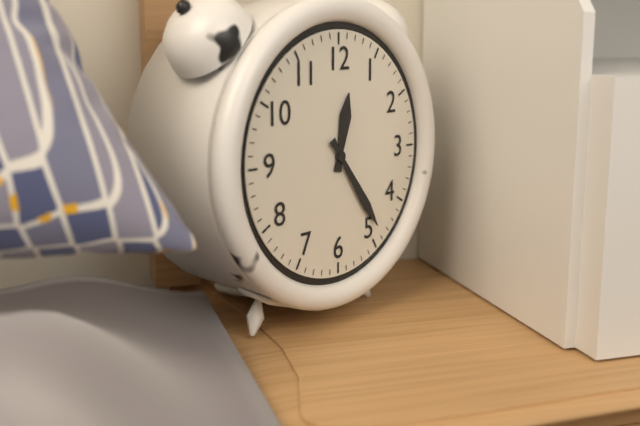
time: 12:24
